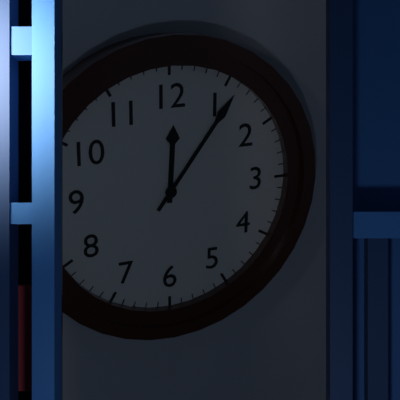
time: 12:06
